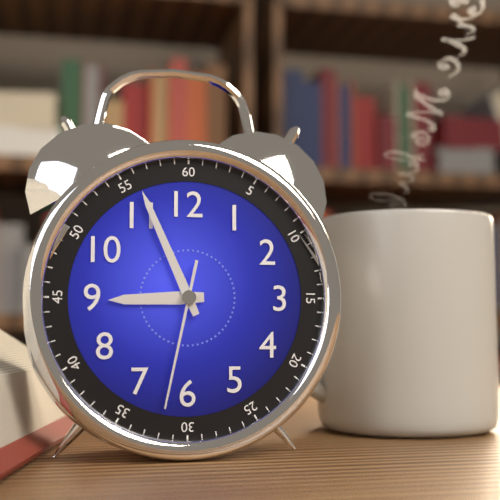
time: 8:56:32
